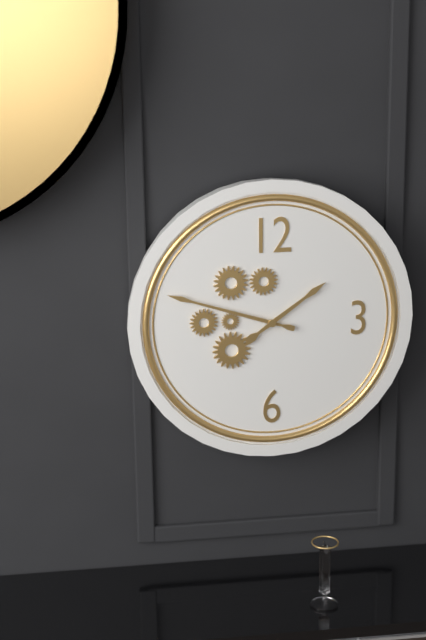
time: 1:48
